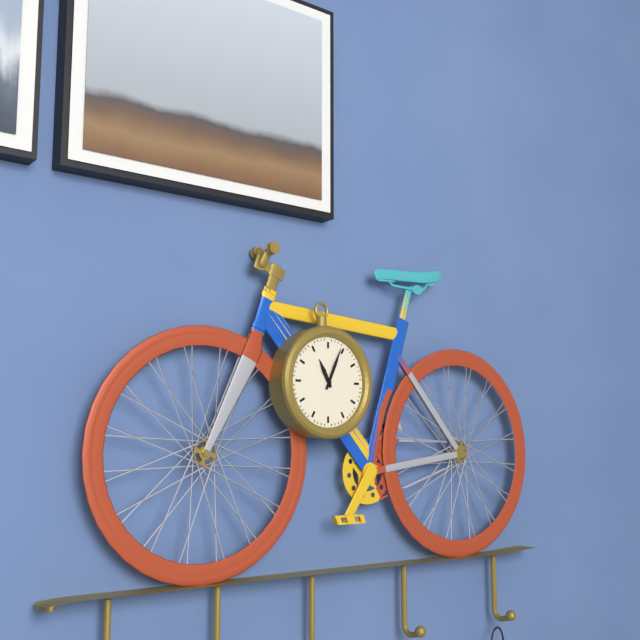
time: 11:04
